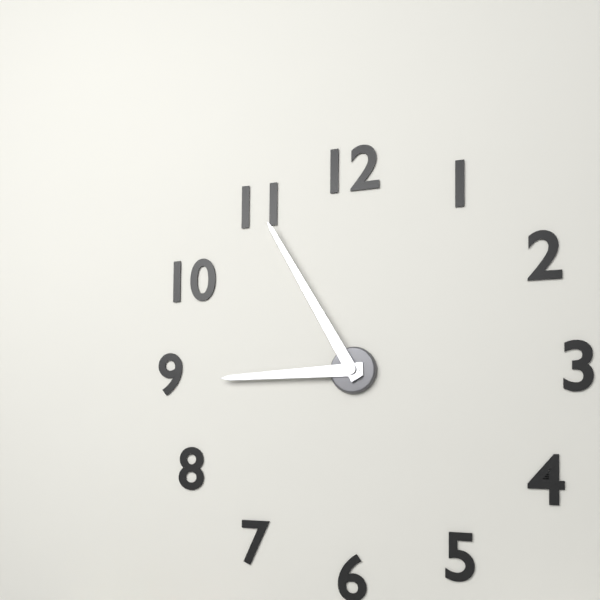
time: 8:55
